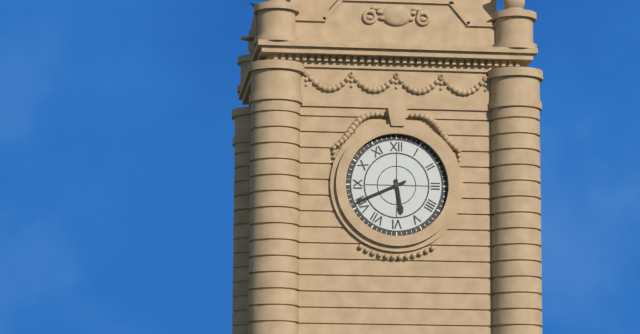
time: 5:41
